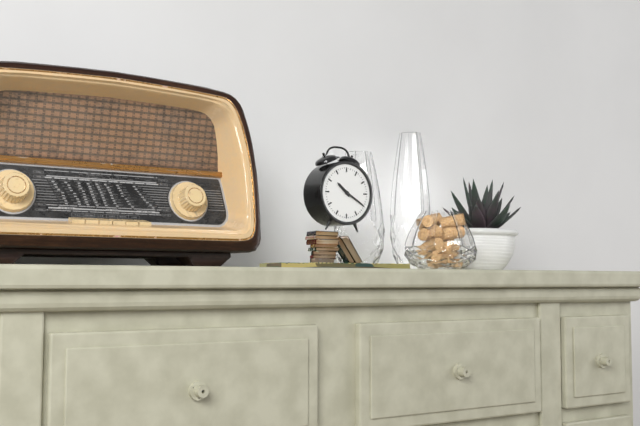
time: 10:20
